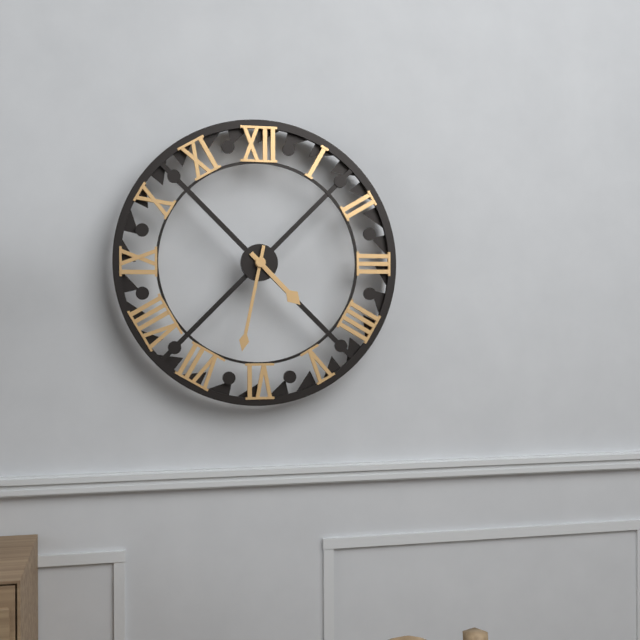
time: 4:32
